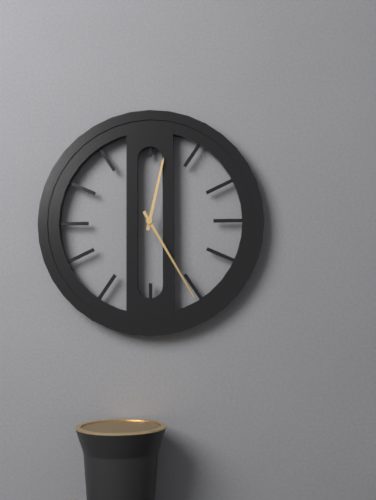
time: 12:25
